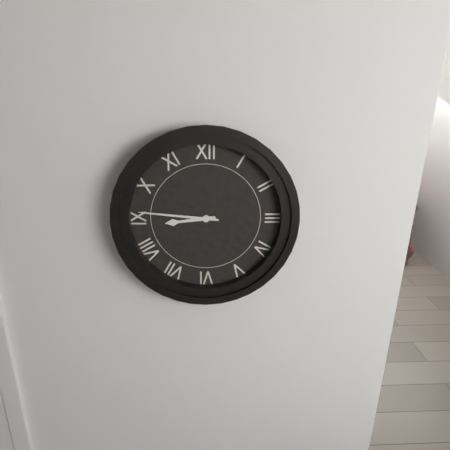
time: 8:46
